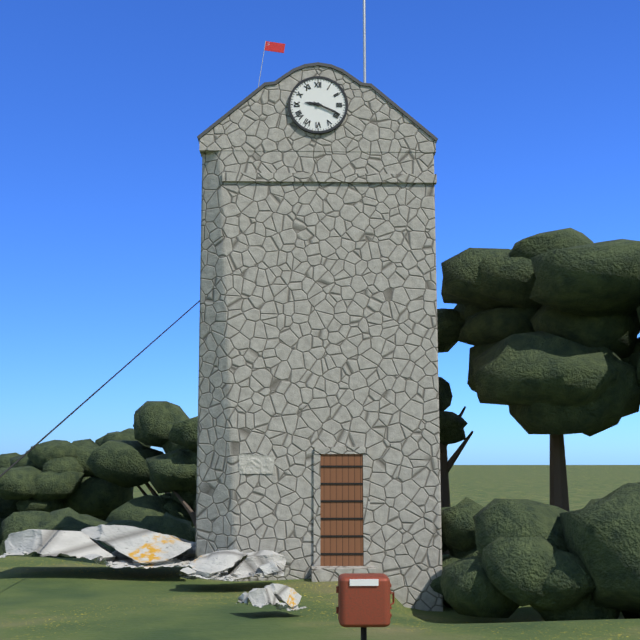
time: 9:19
